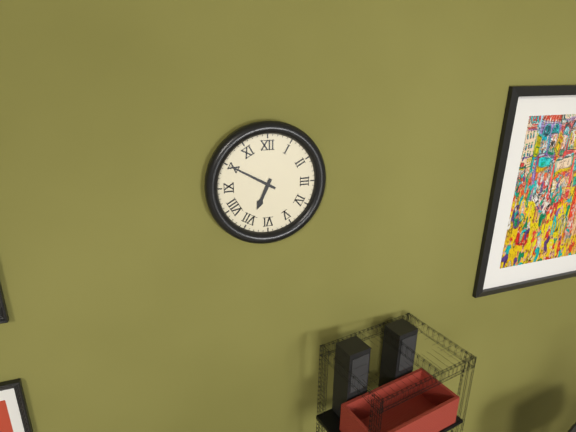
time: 6:50
